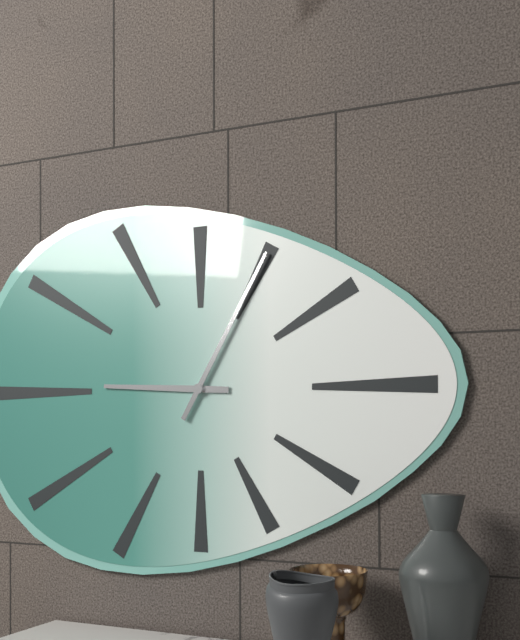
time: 9:05
